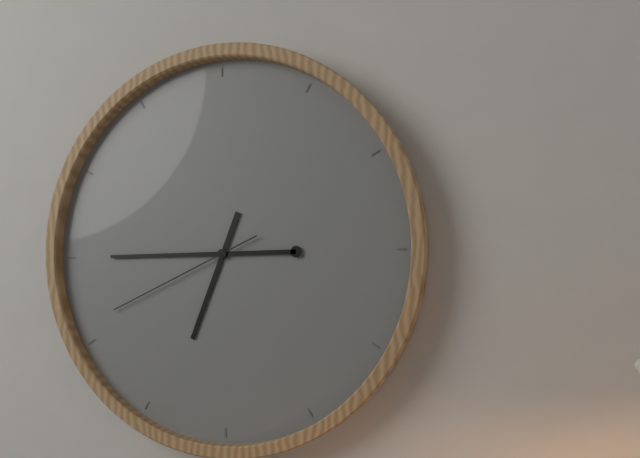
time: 6:45:41
